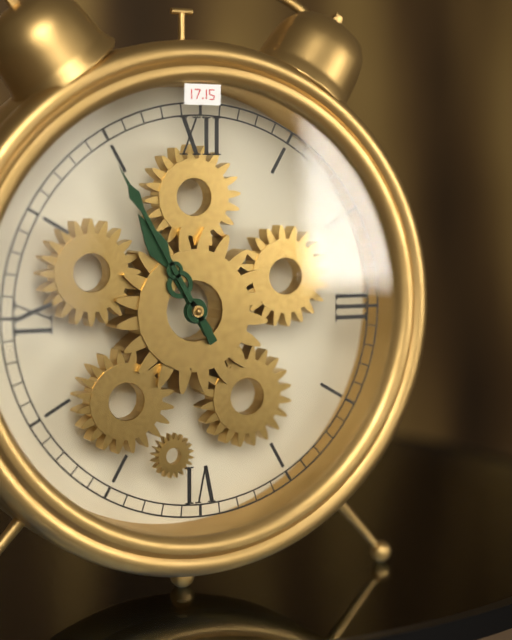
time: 10:55
